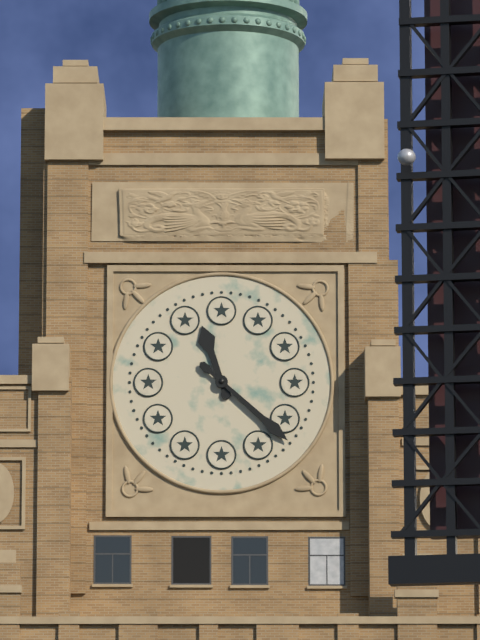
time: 11:22
